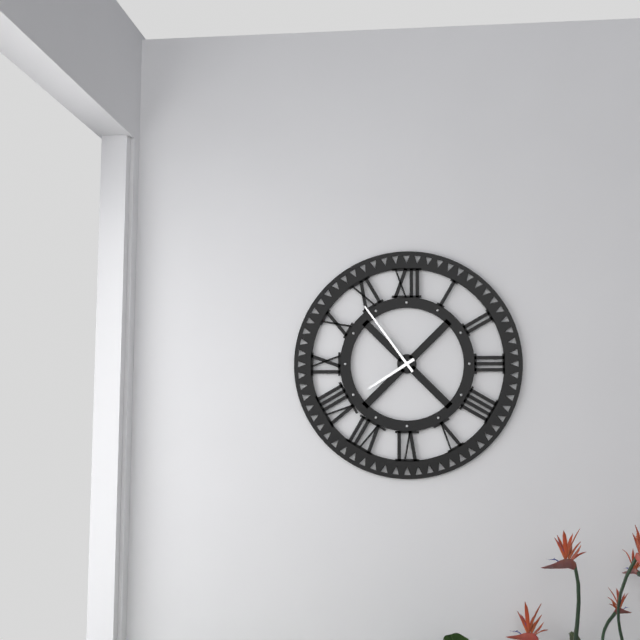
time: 7:54
